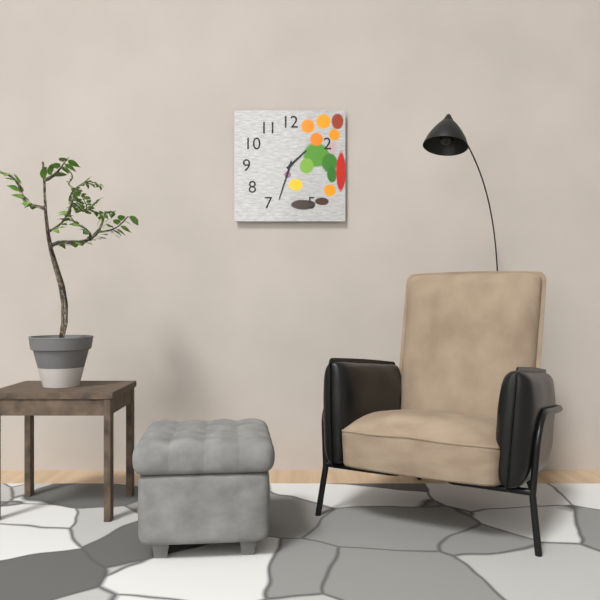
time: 1:33
